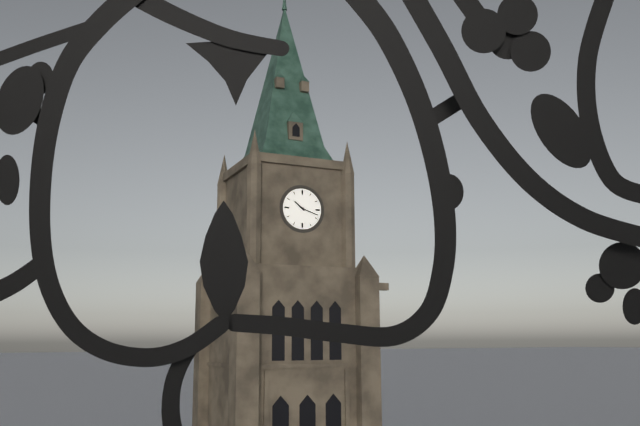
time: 10:18
